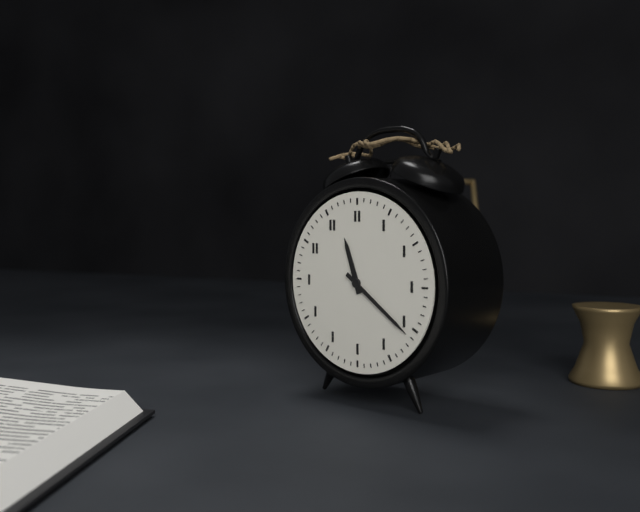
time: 11:21
